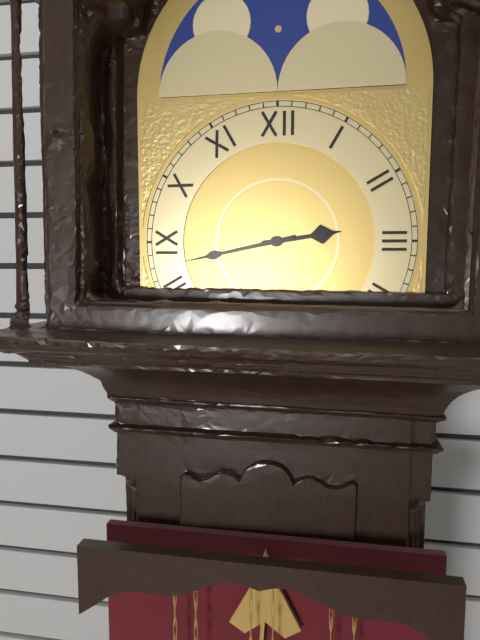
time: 2:43
